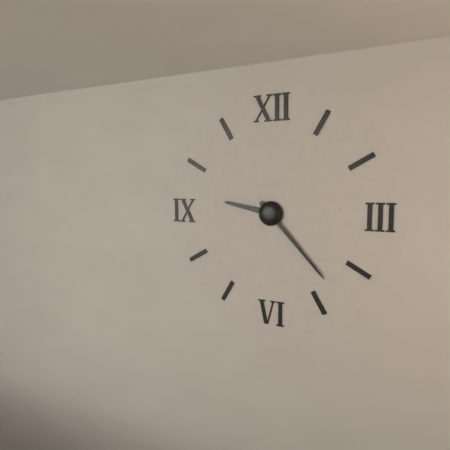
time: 9:23
